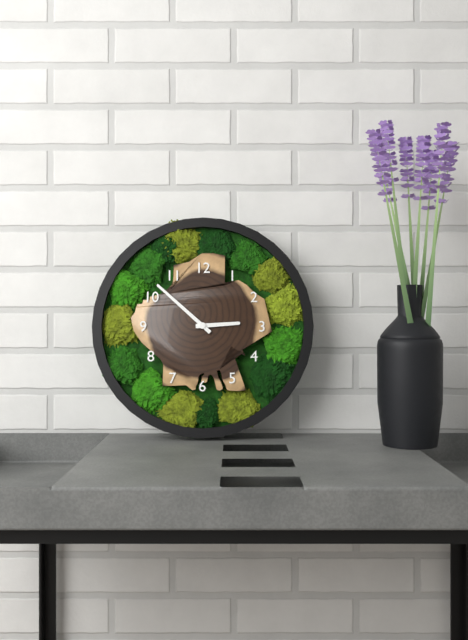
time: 2:52
